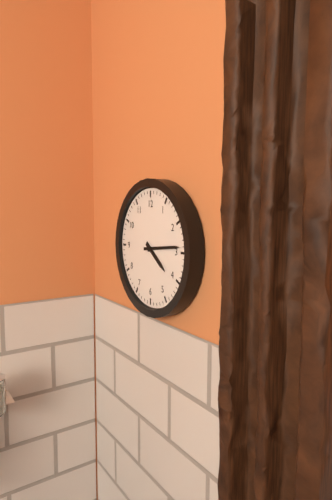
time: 4:14
